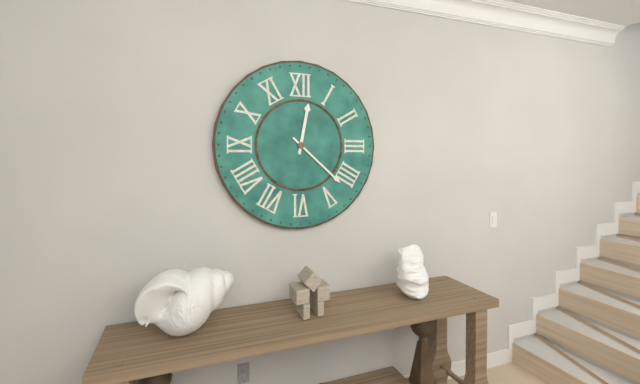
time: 12:22
